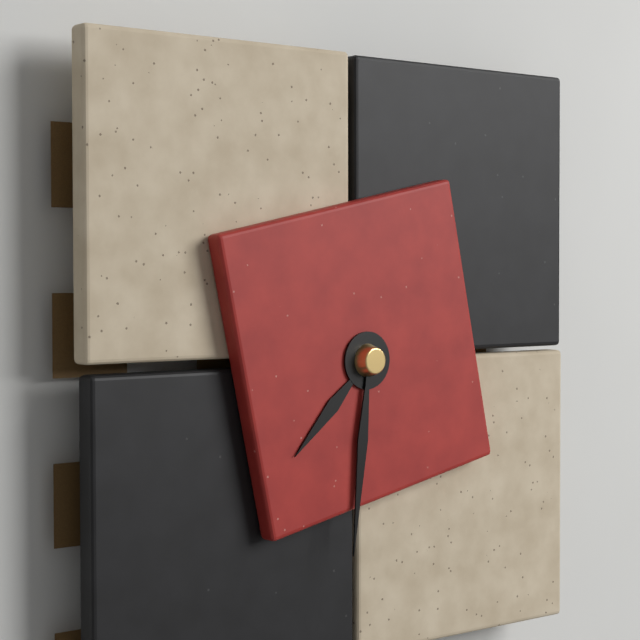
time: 7:31
